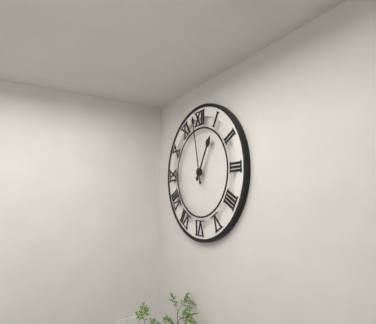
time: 12:58
